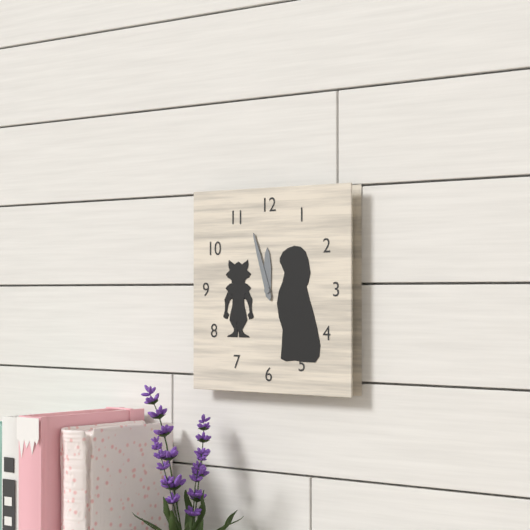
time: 11:57
